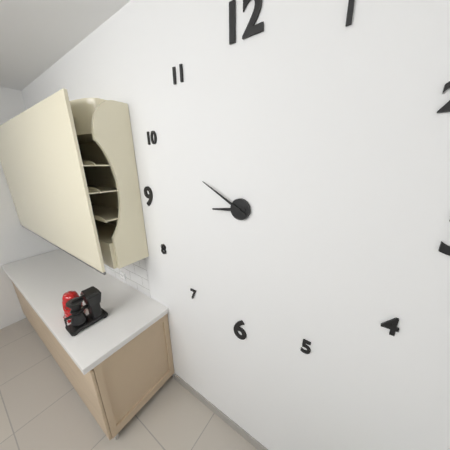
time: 8:50
